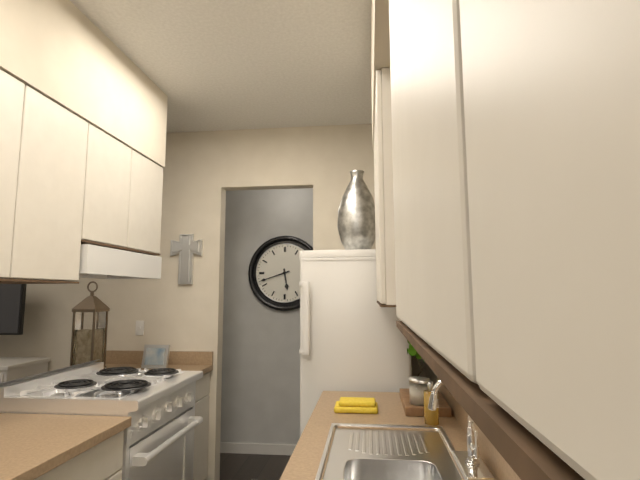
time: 5:42
